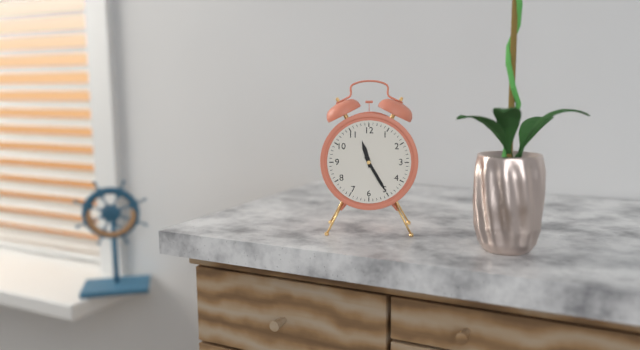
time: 11:25
